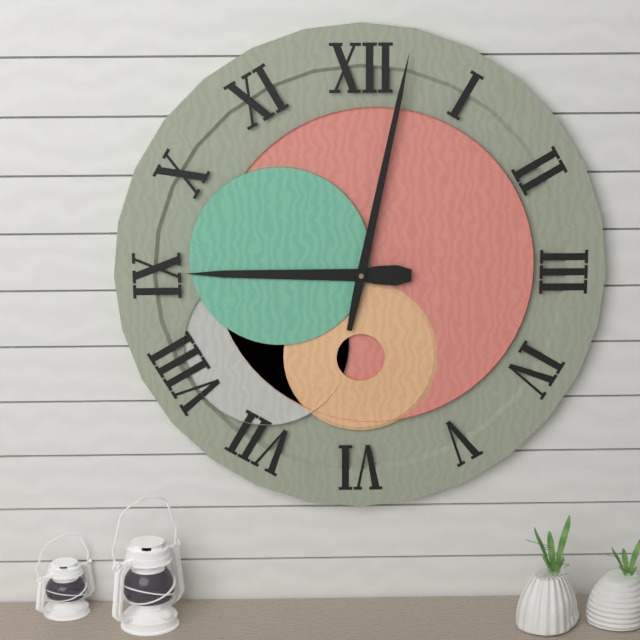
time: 9:02
